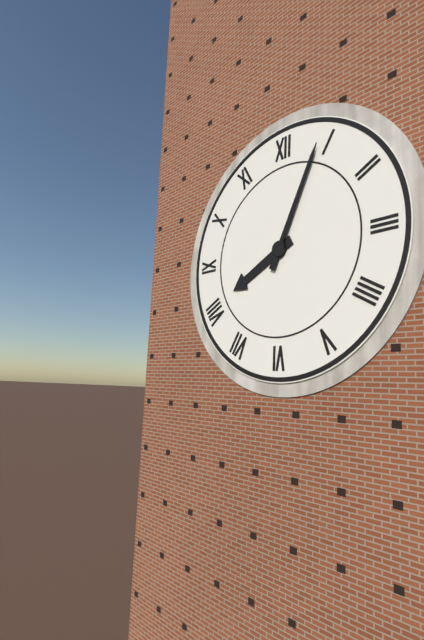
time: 8:04
